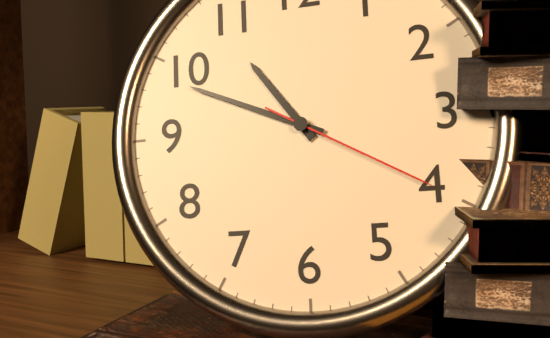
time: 10:49:20
